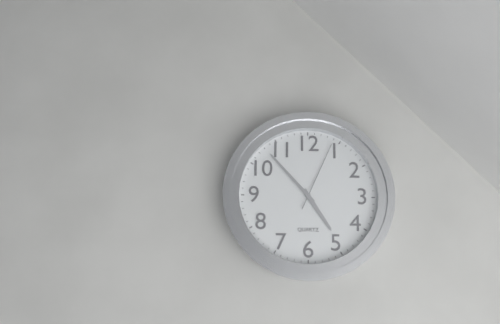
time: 4:53:04
